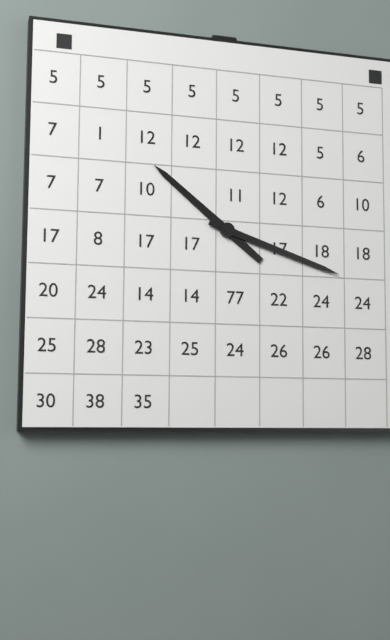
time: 10:18
